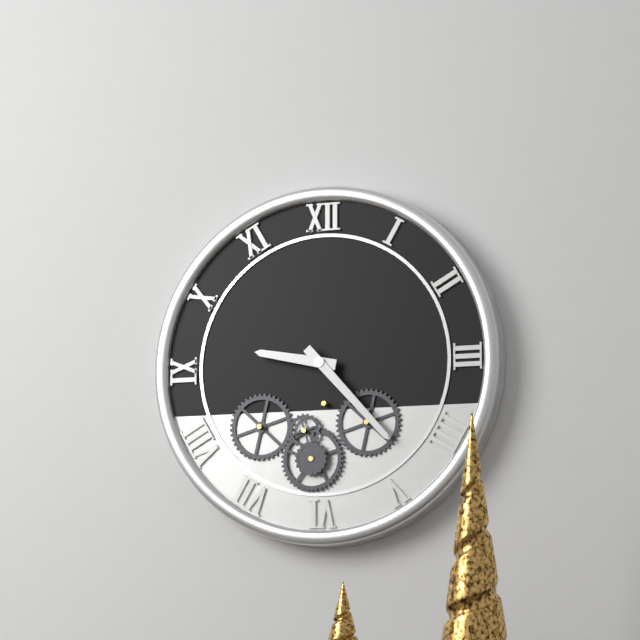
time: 9:23
